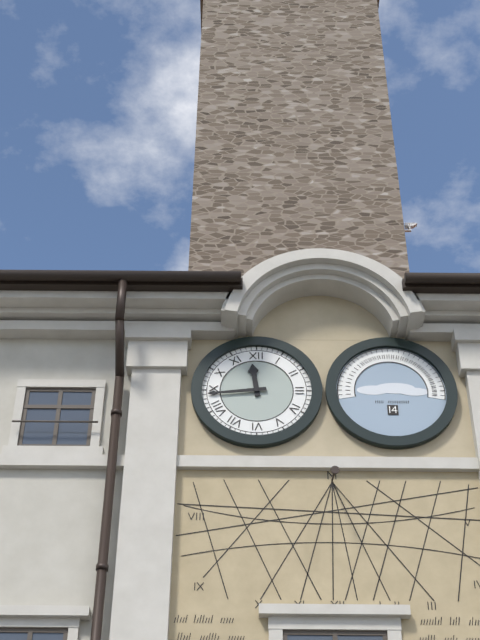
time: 11:44
